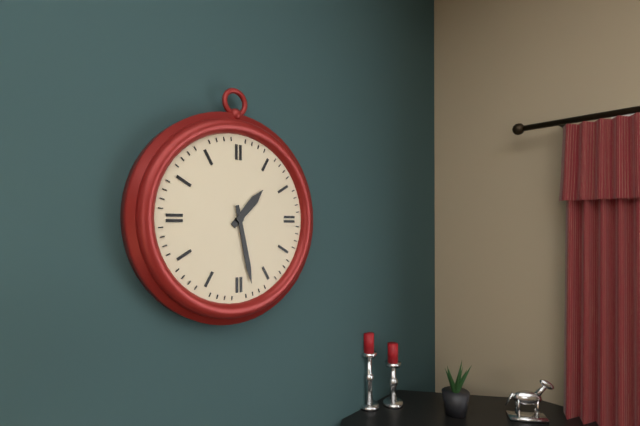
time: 1:28
